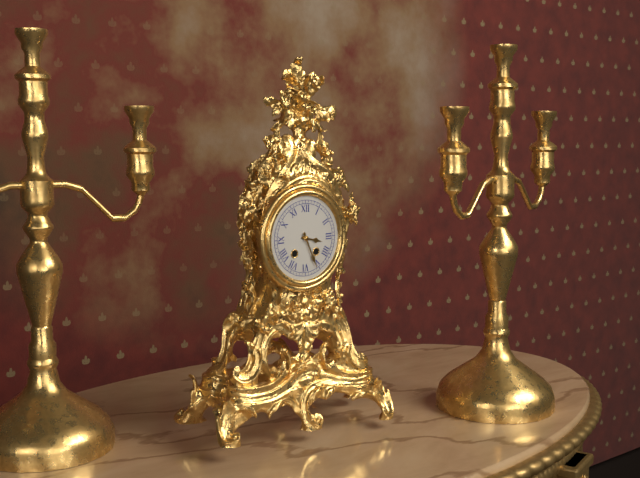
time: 3:26
